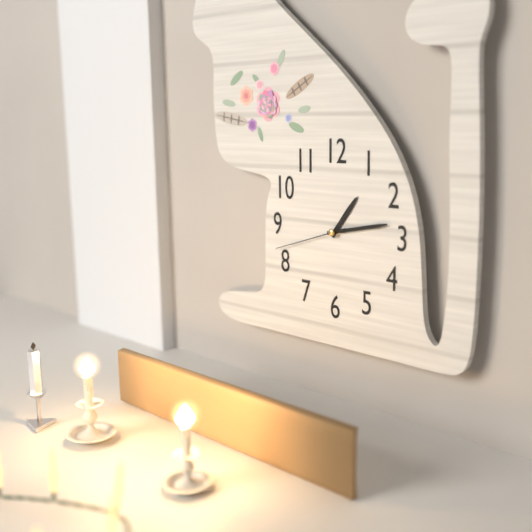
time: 1:13:42
